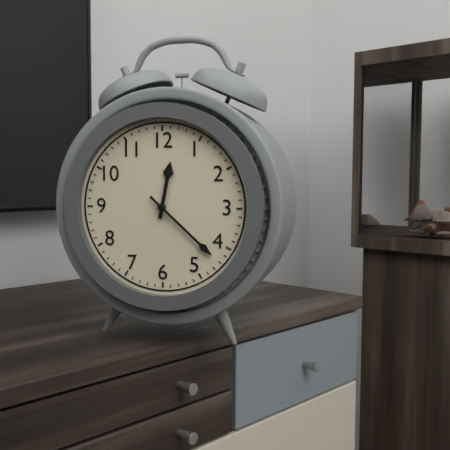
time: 12:22
